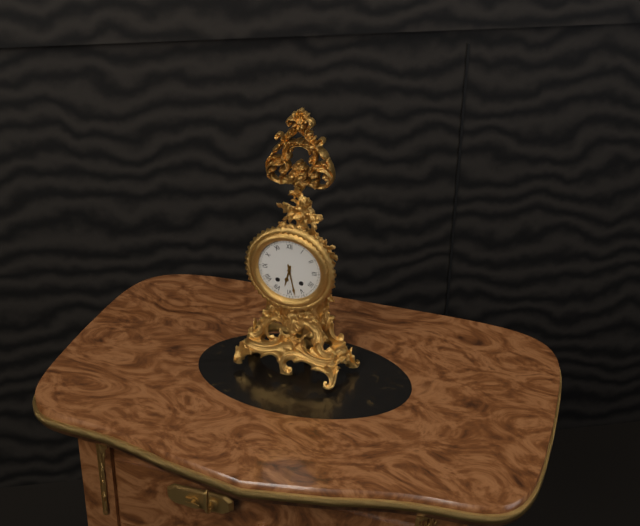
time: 6:28
